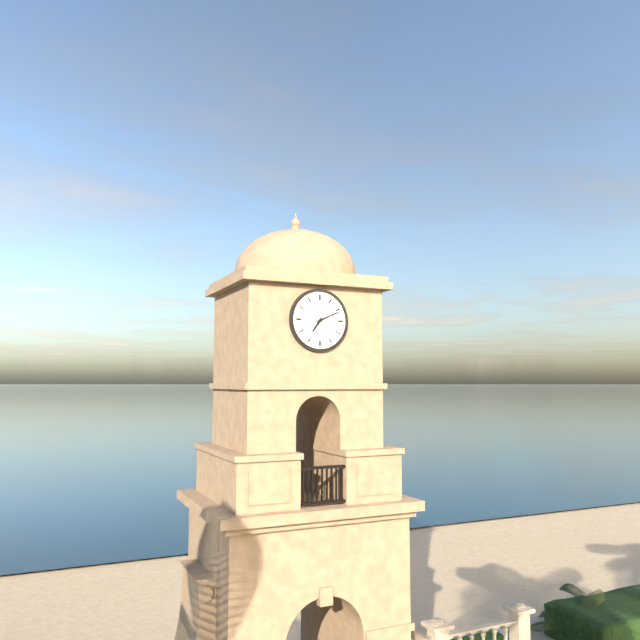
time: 7:11
